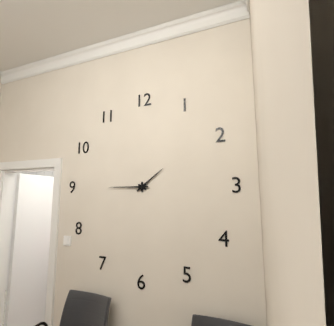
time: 1:45
